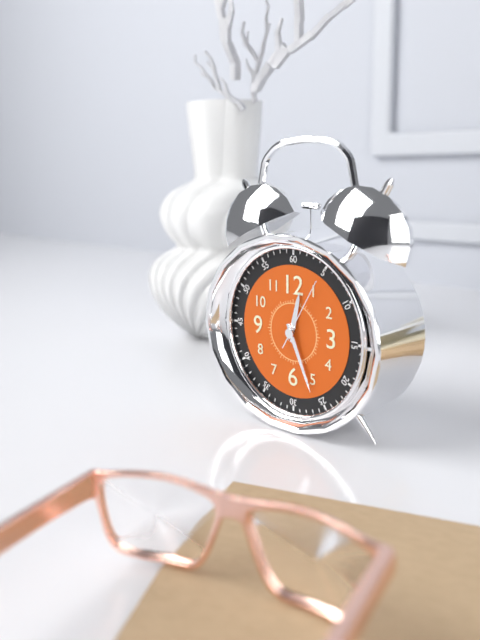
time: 12:26:05
